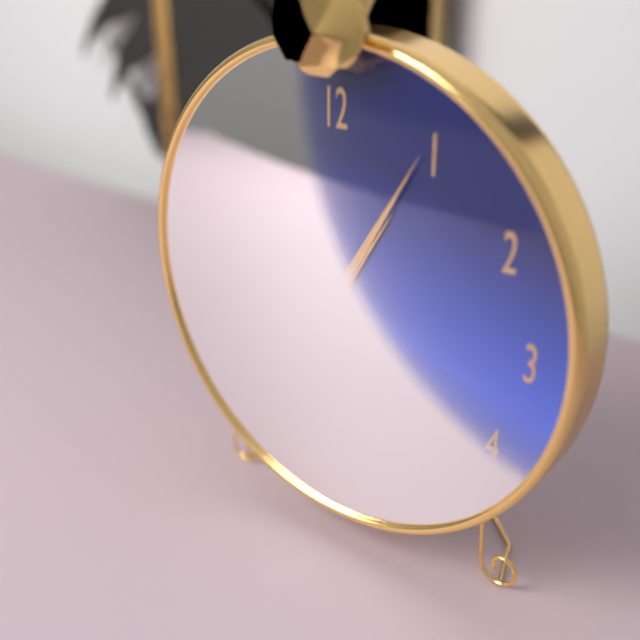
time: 1:05:51
